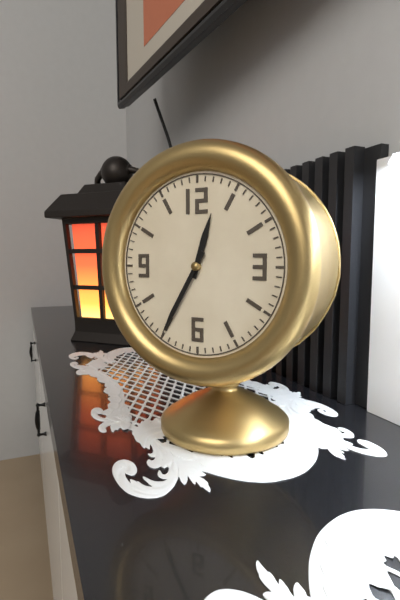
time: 12:35
